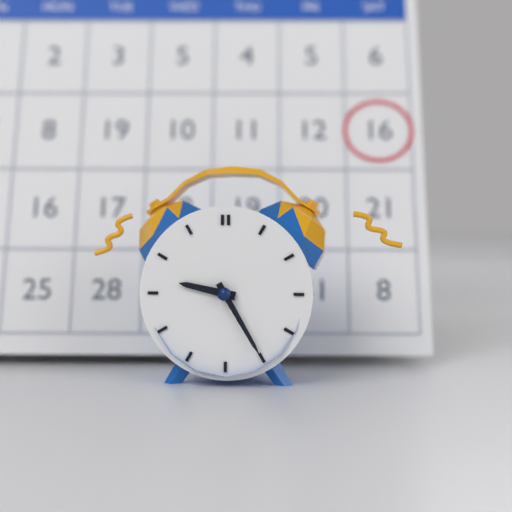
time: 9:25
